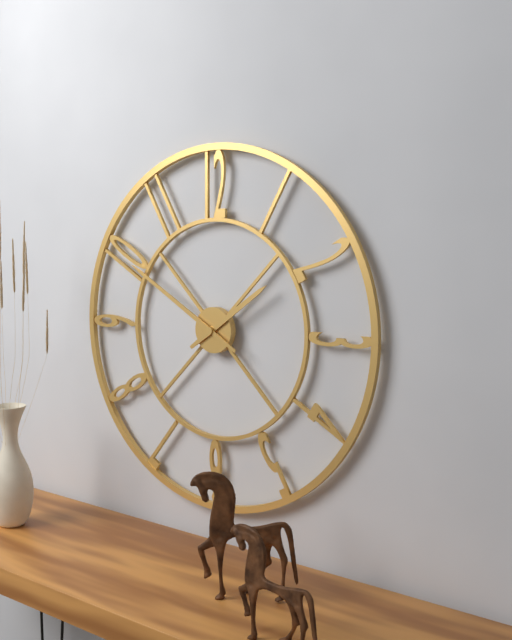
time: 1:50
